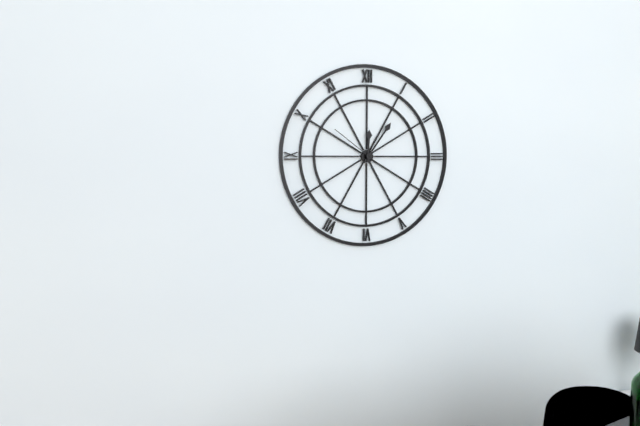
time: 12:06:51
